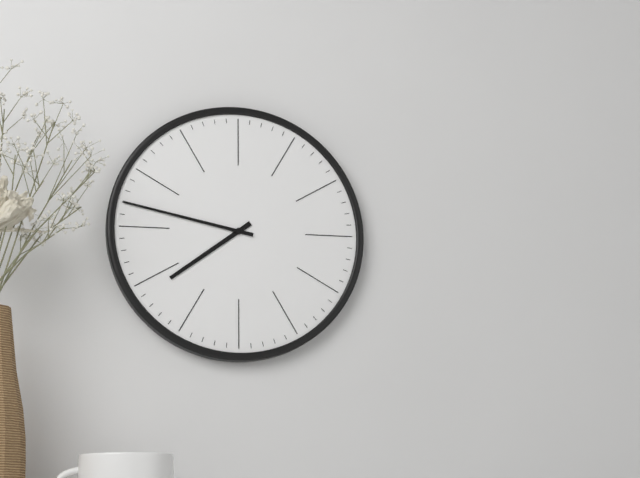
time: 7:47
